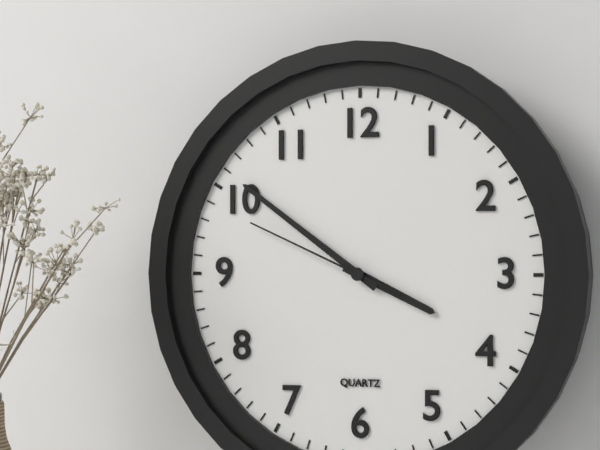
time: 3:51:49
